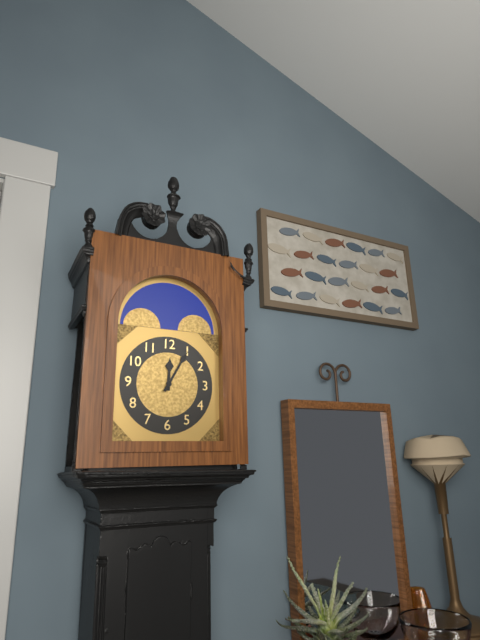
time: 12:05
